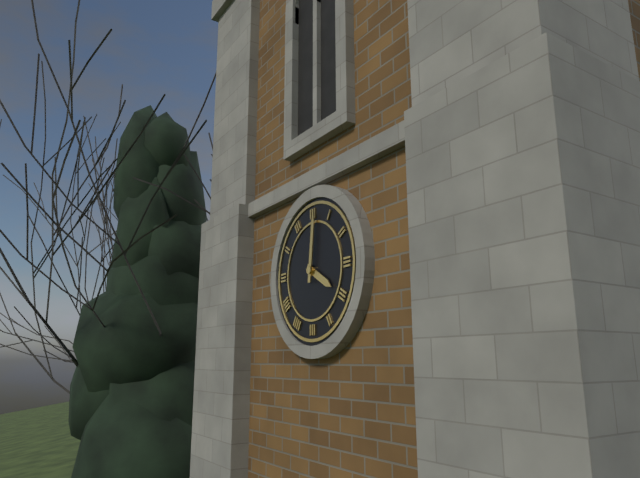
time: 4:01
